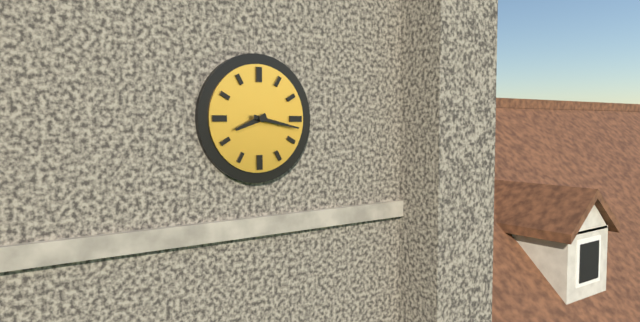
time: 8:17
